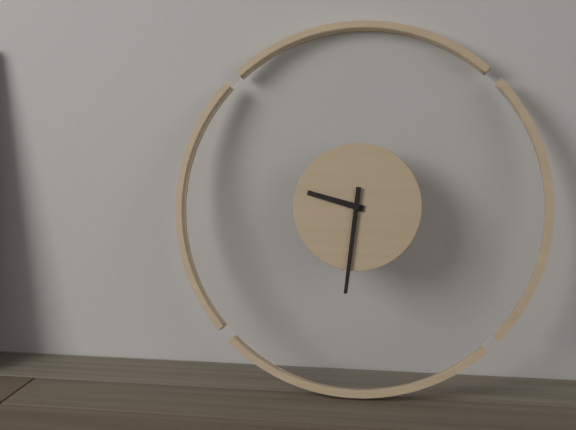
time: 9:31
